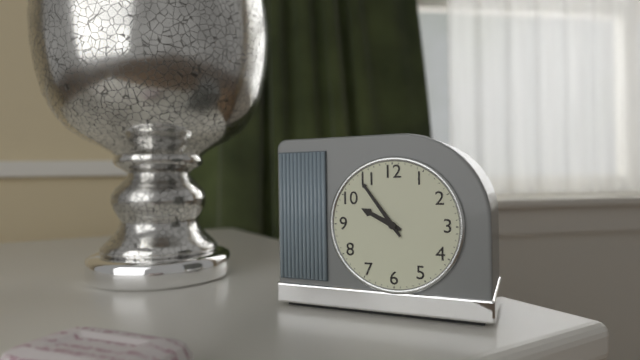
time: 9:54
